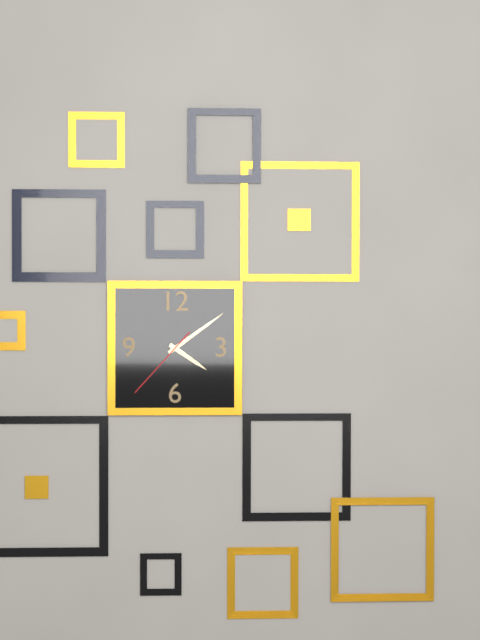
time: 4:09:37
